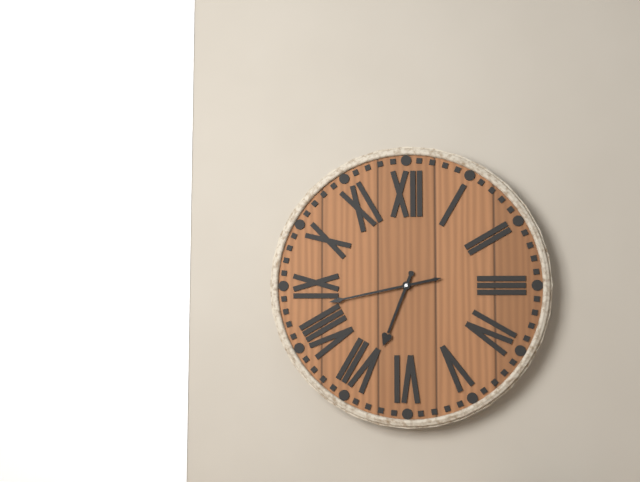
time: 6:43
